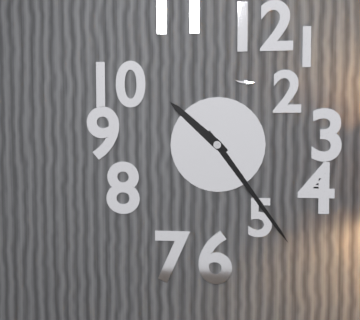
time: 10:24
